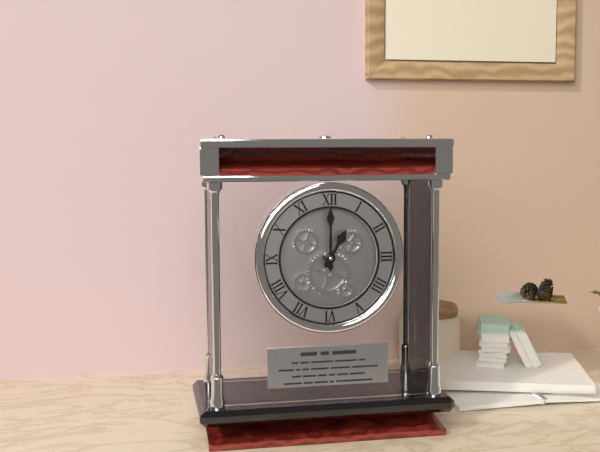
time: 1:00
